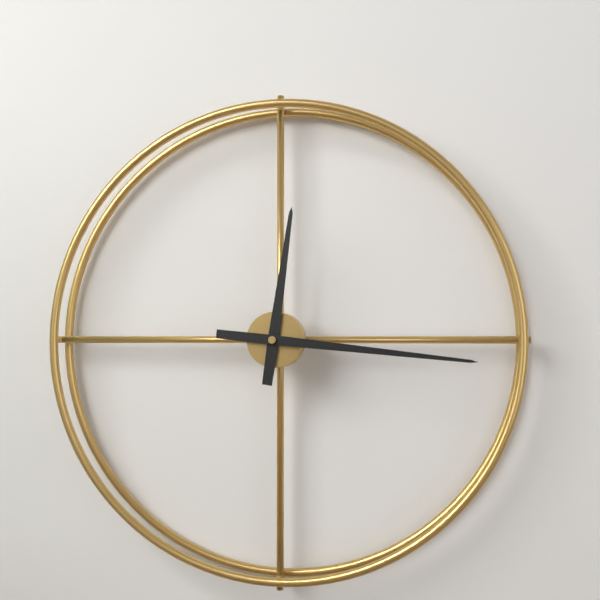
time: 12:16
